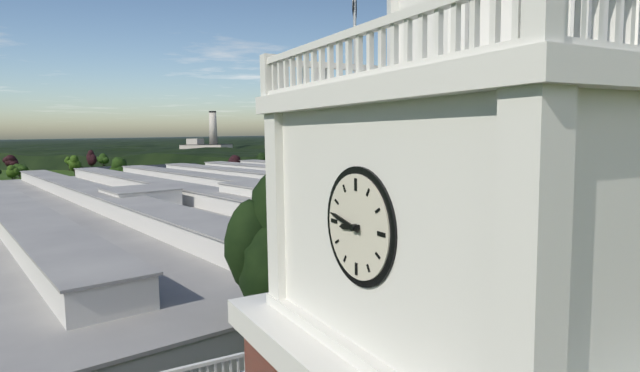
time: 8:47
